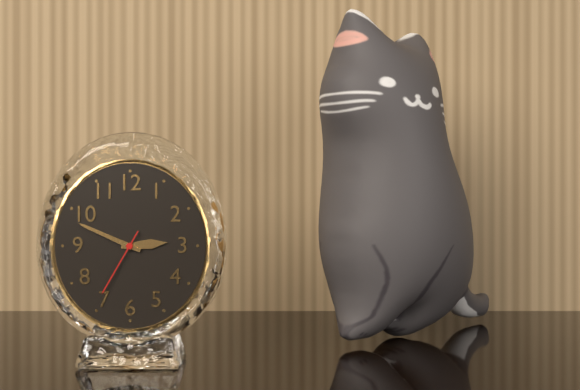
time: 2:49:35
